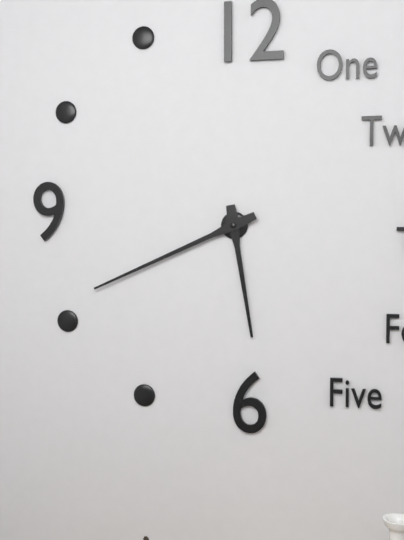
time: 5:41
